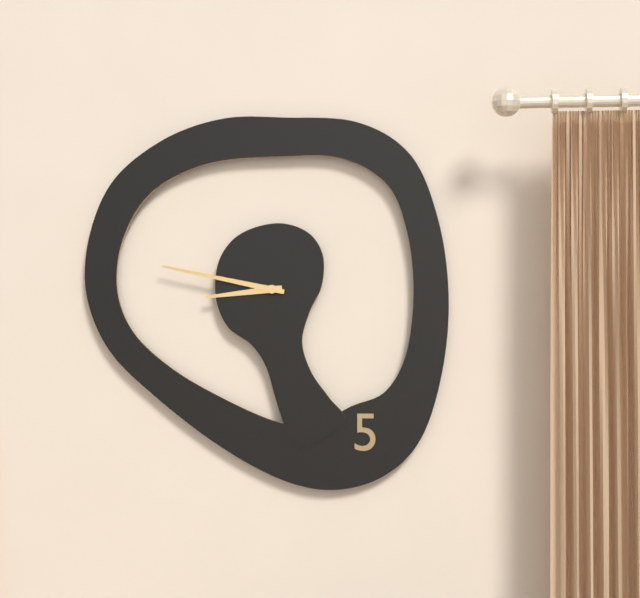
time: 8:47
